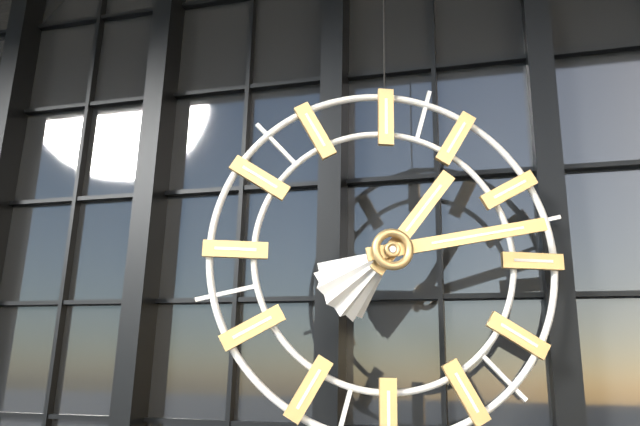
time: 1:13
